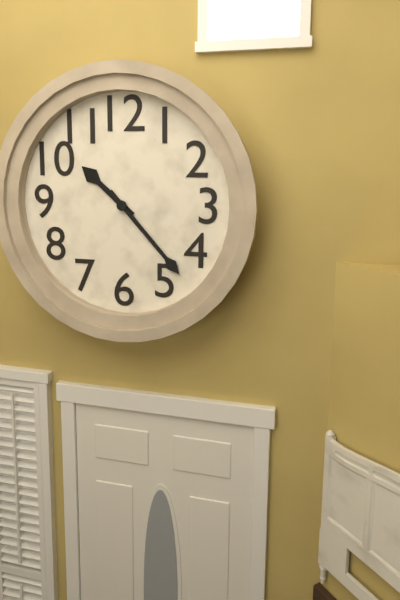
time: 10:23
